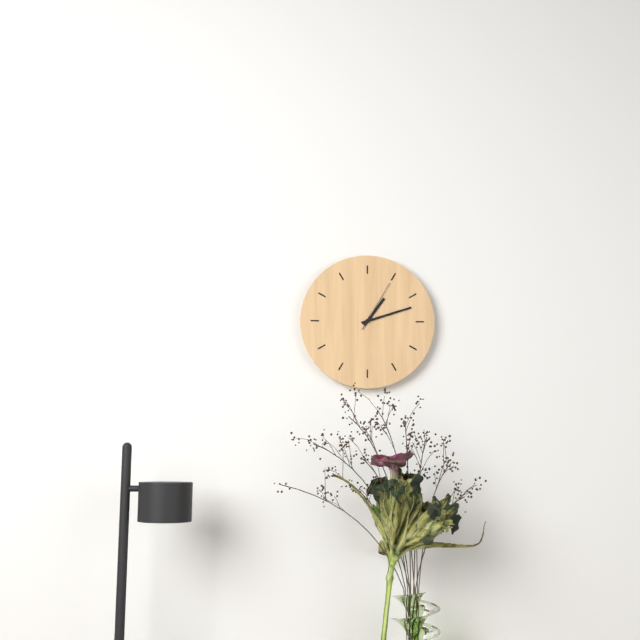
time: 1:12:05
